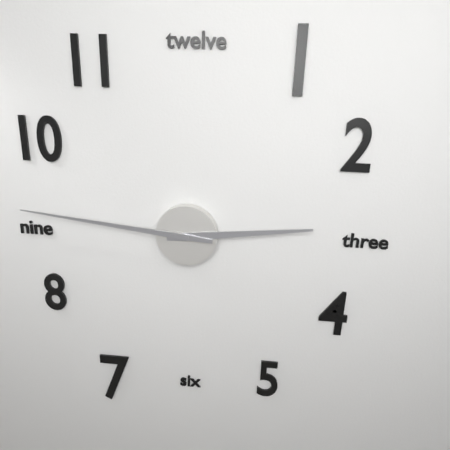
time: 2:46
